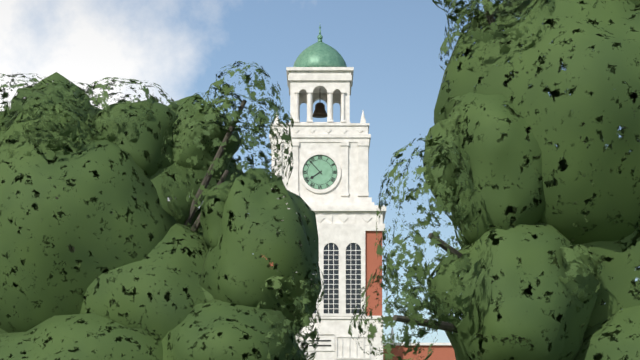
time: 7:53
